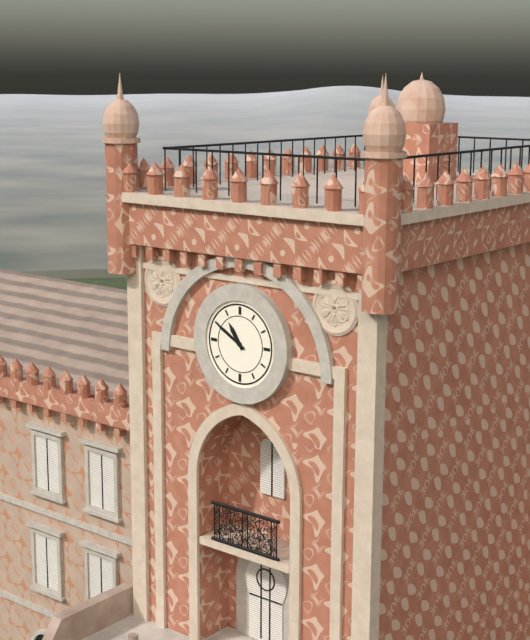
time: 10:50
